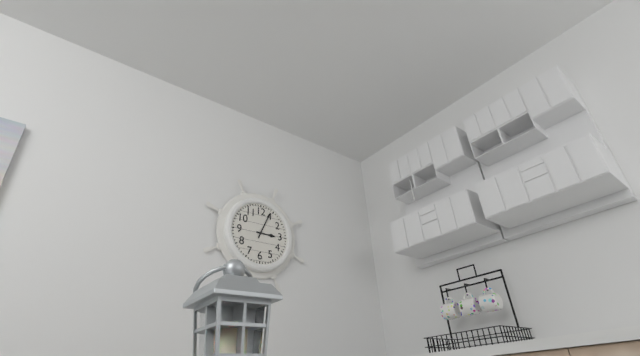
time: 3:04
